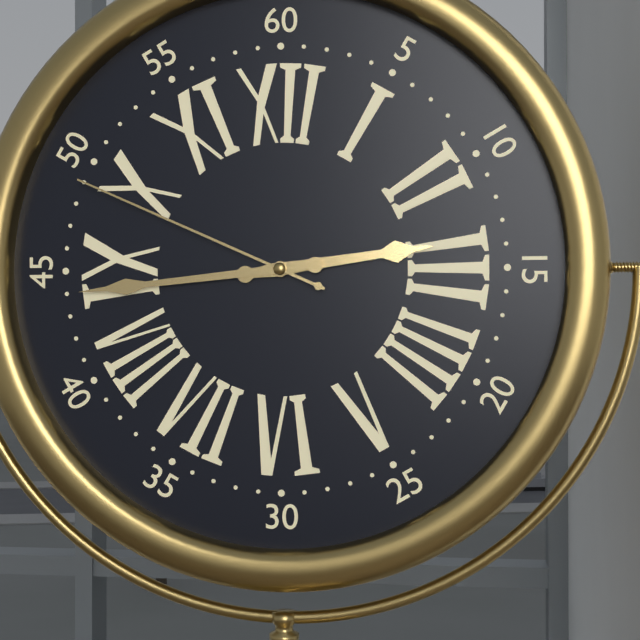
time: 2:44:49
